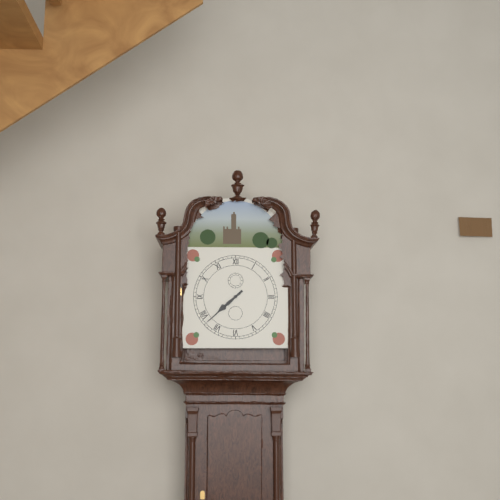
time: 7:38
